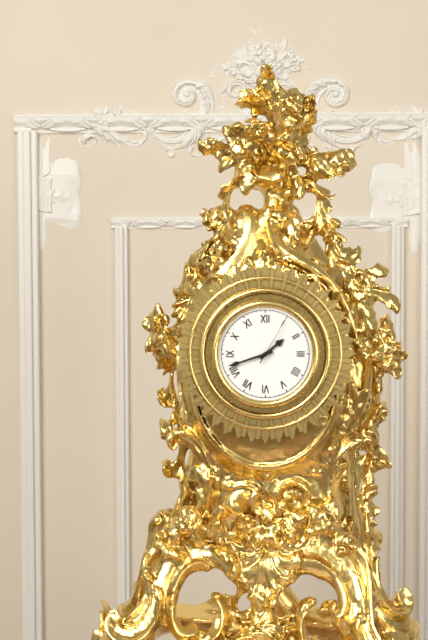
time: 1:42:05
